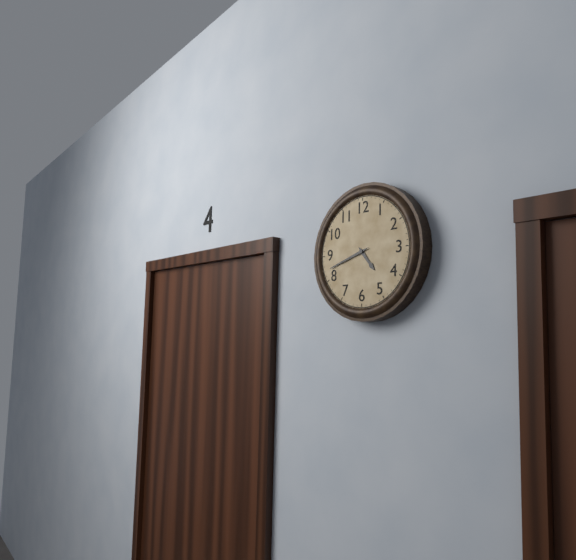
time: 4:42
